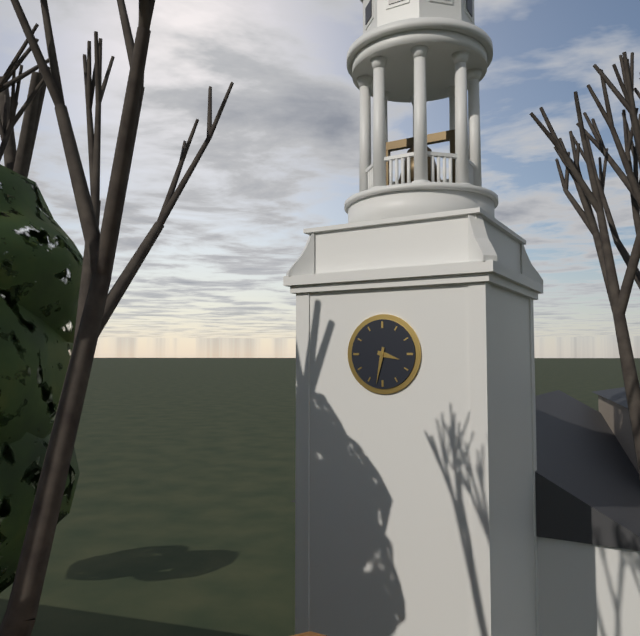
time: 3:32
